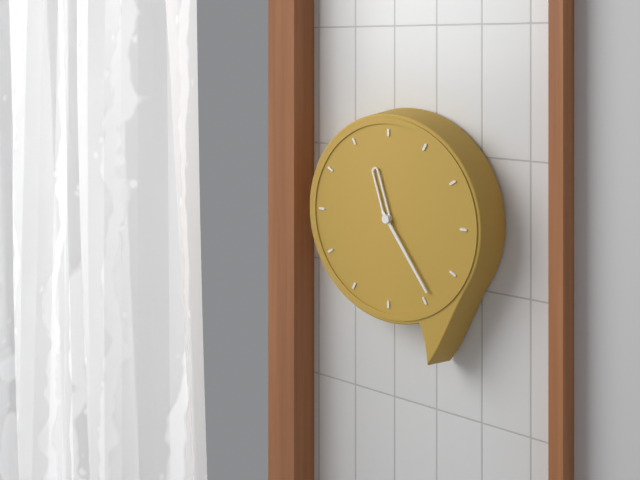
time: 11:24
